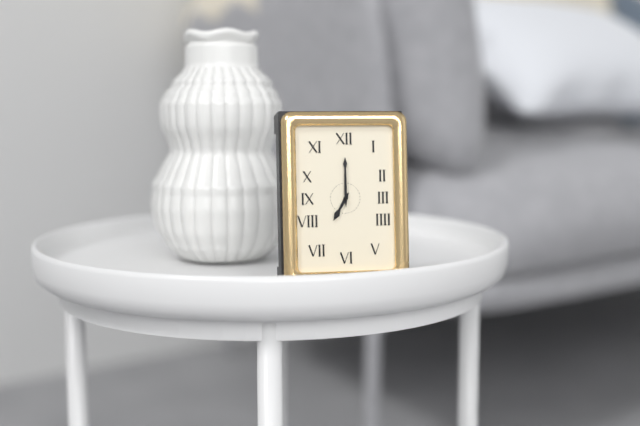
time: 7:00
